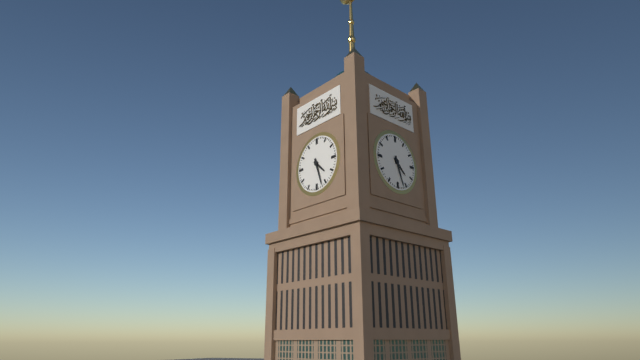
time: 4:27
